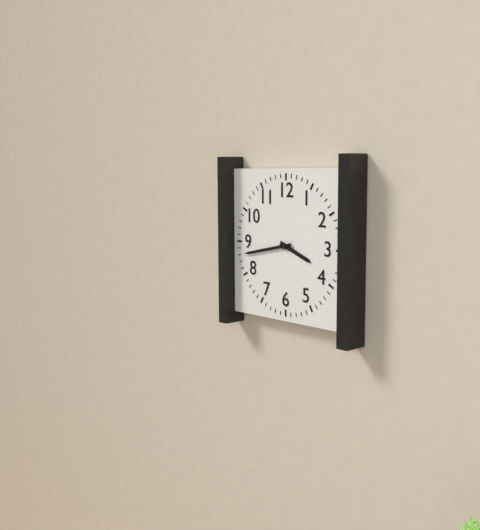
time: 3:43
